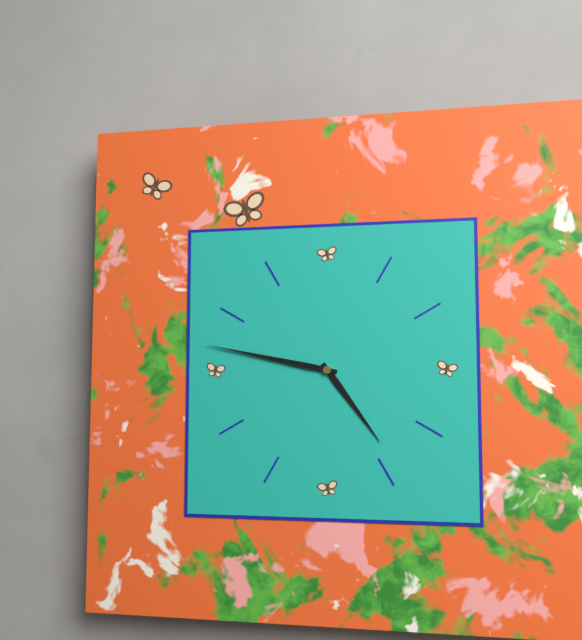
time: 4:47
